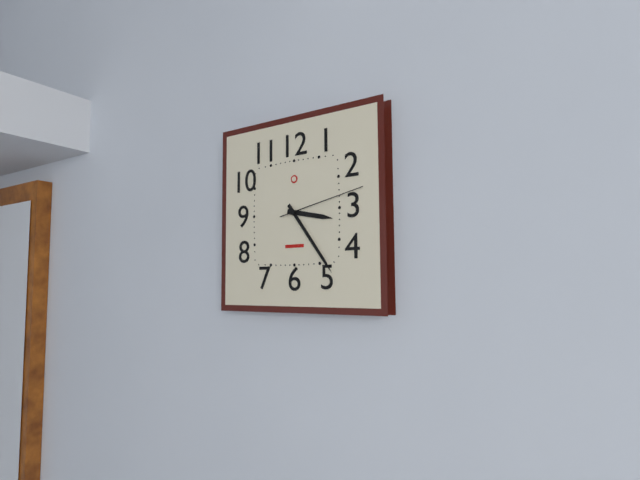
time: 3:24:13
